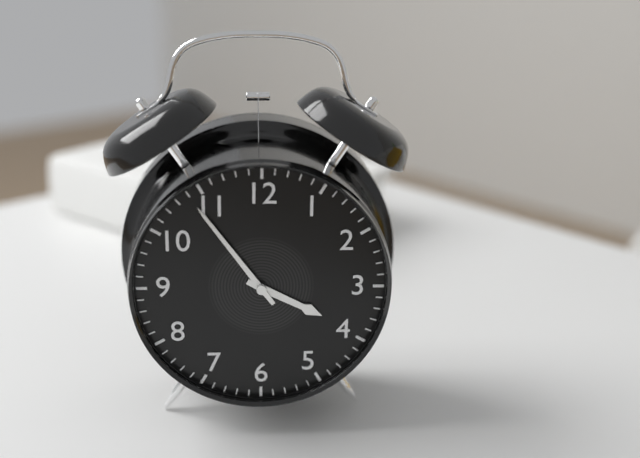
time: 3:54
